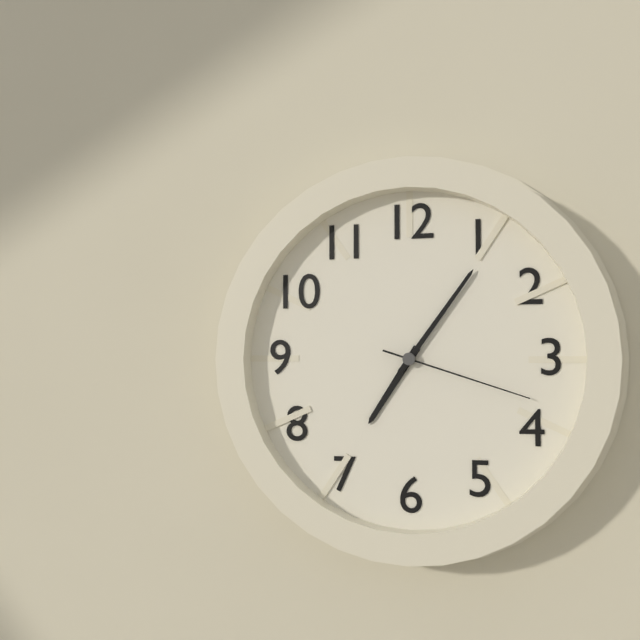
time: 7:06:18
